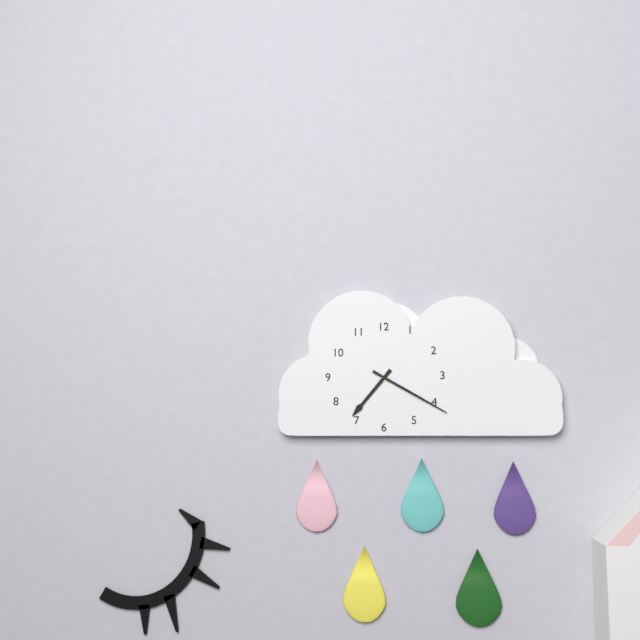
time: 7:20
